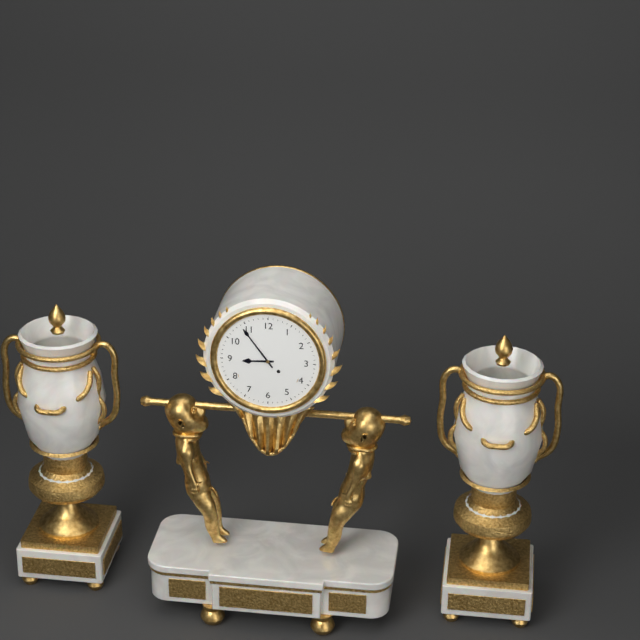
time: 8:54
